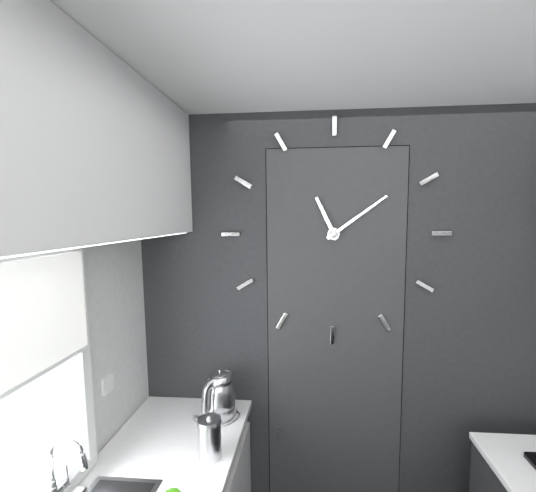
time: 11:09
